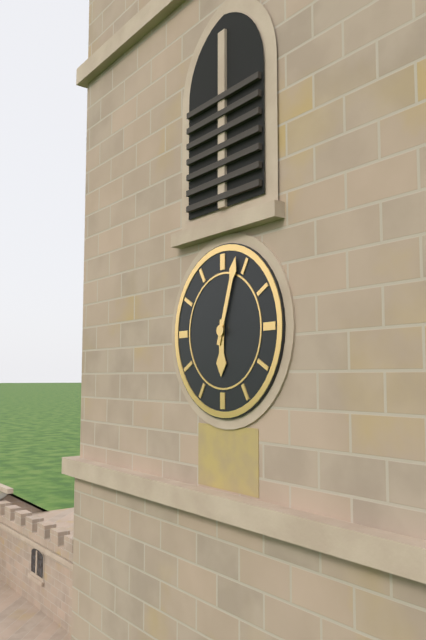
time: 6:03
